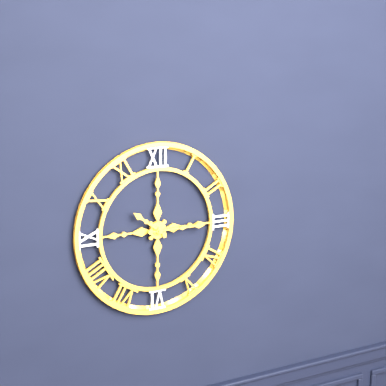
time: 10:15
